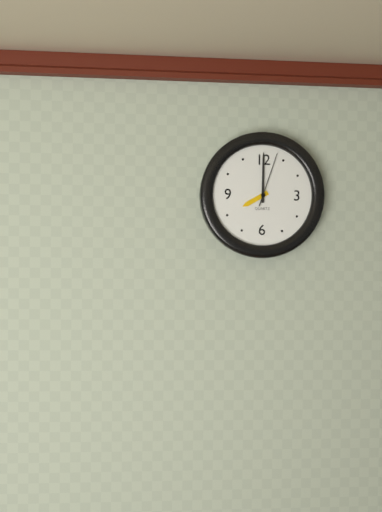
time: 8:00:03
